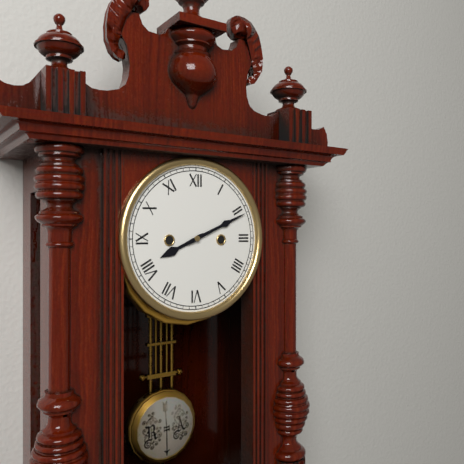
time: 8:11
